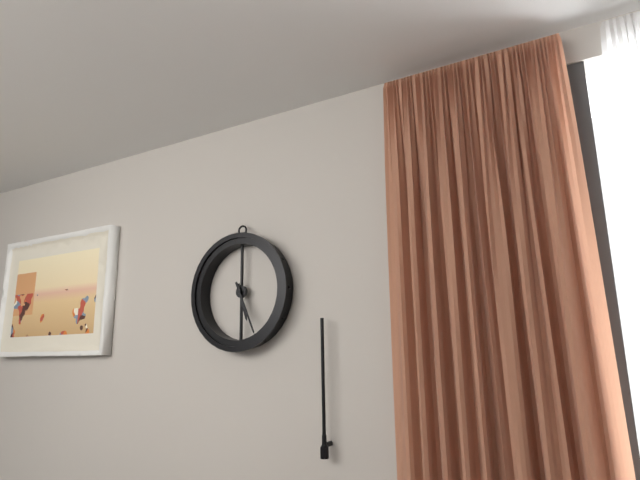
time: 5:26
